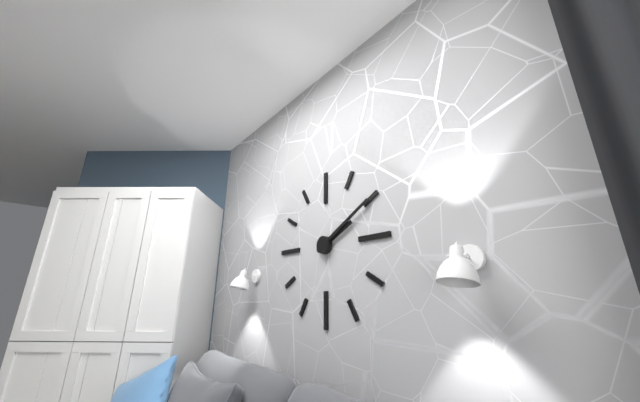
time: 2:10
